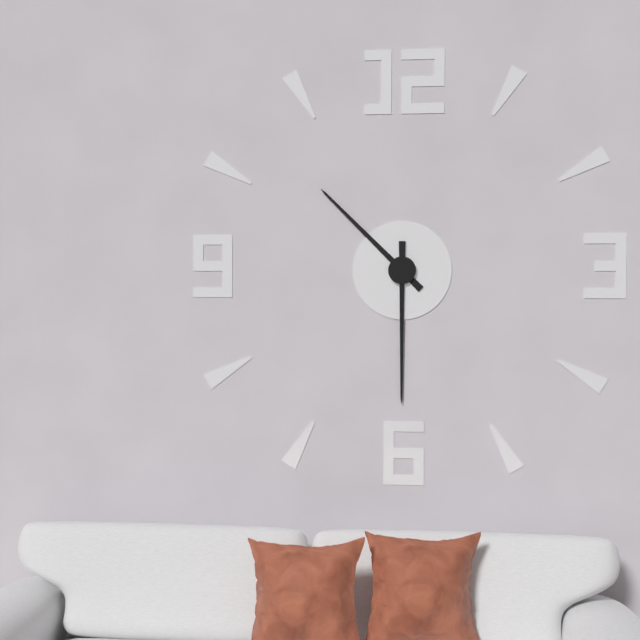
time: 10:30
